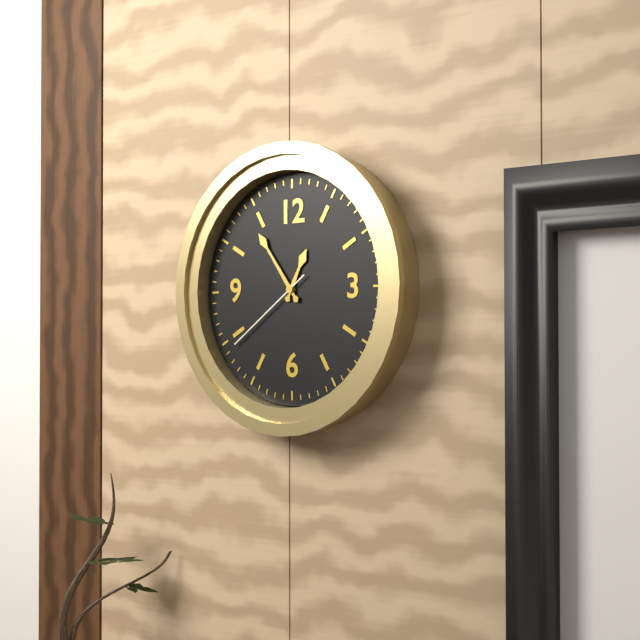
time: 12:54:39
